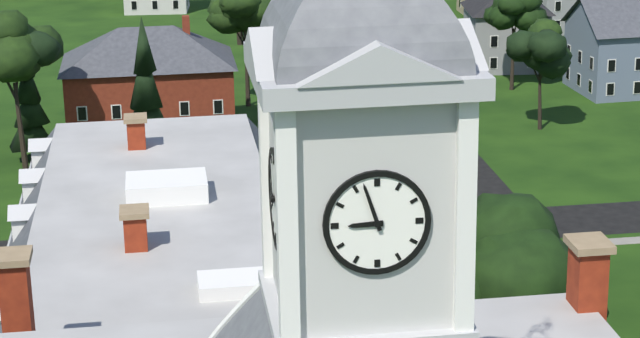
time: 8:57
